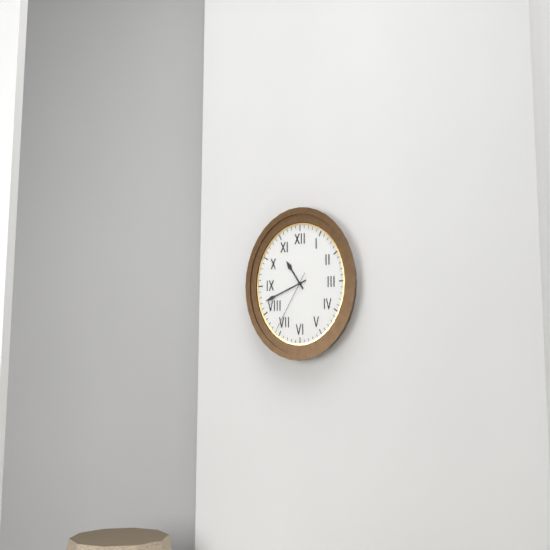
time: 10:42:36
